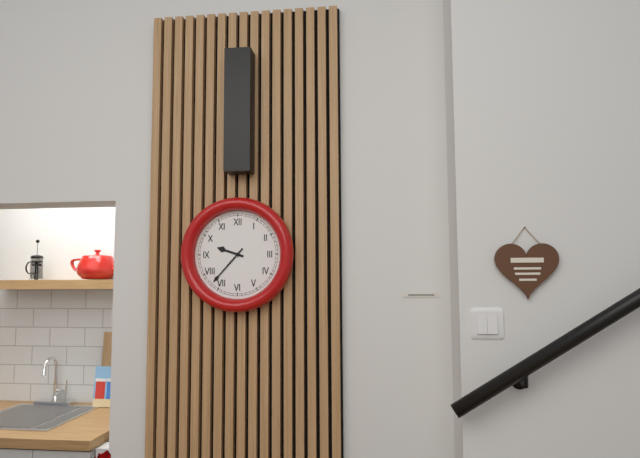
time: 9:37
